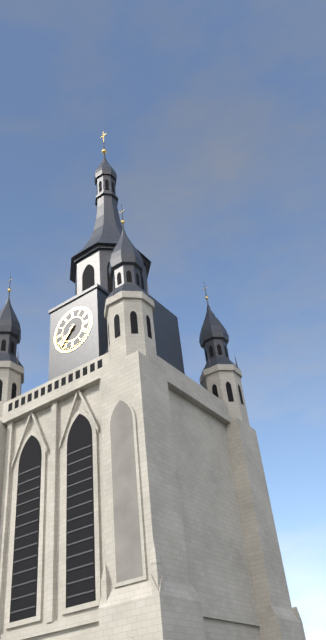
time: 7:37
